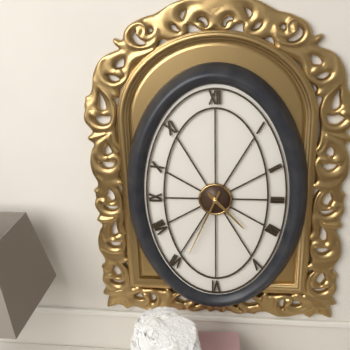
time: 4:34
